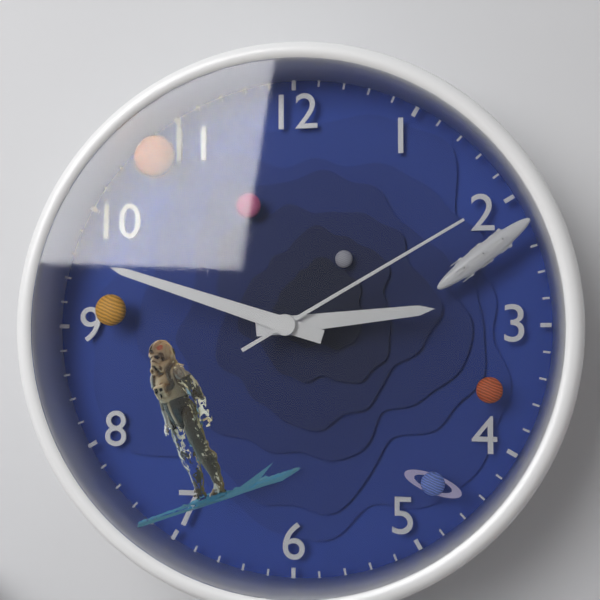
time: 2:48:10
